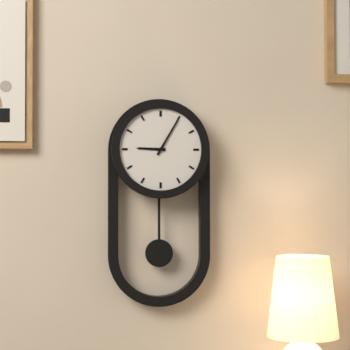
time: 9:05
